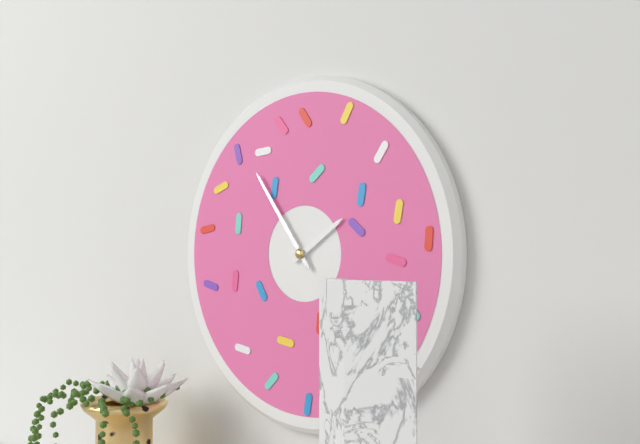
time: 1:54
